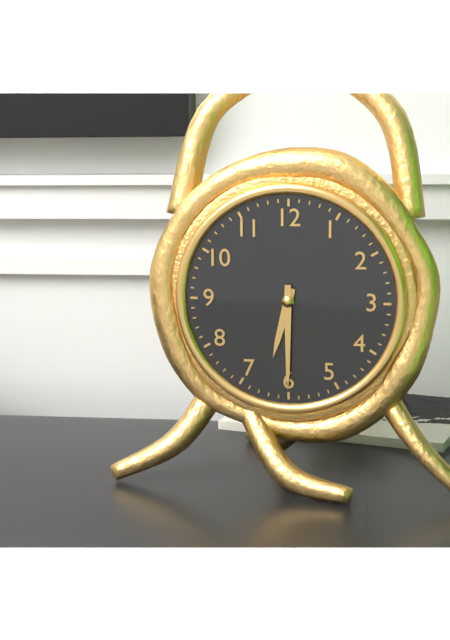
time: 6:30
